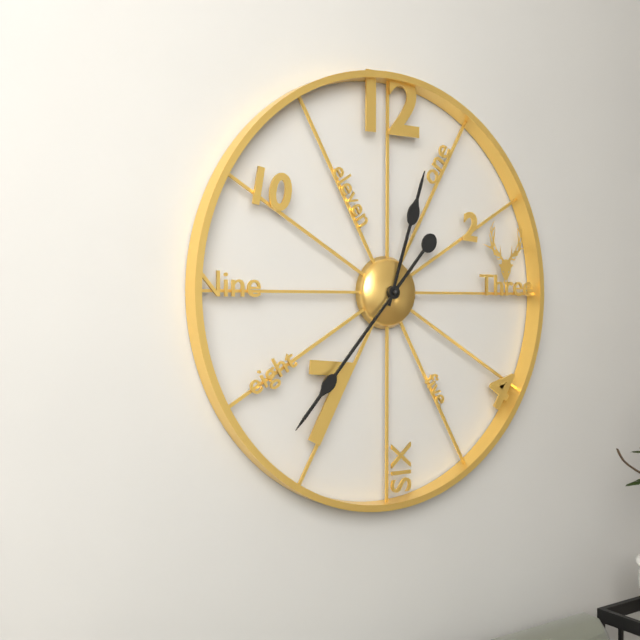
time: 12:37
